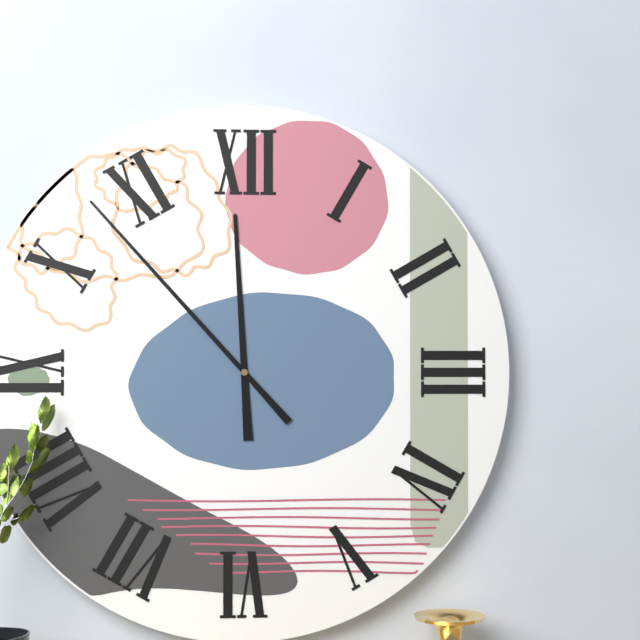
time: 11:53
